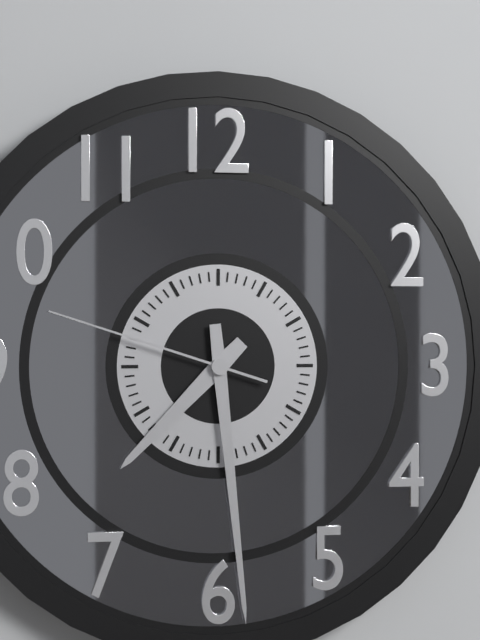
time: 7:29:48
